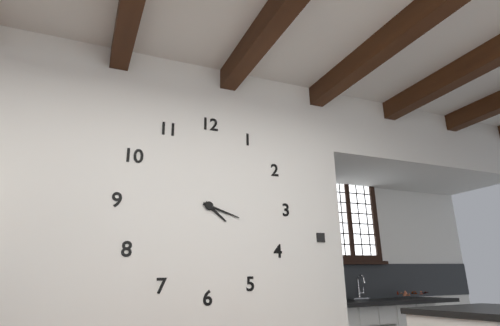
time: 4:18
